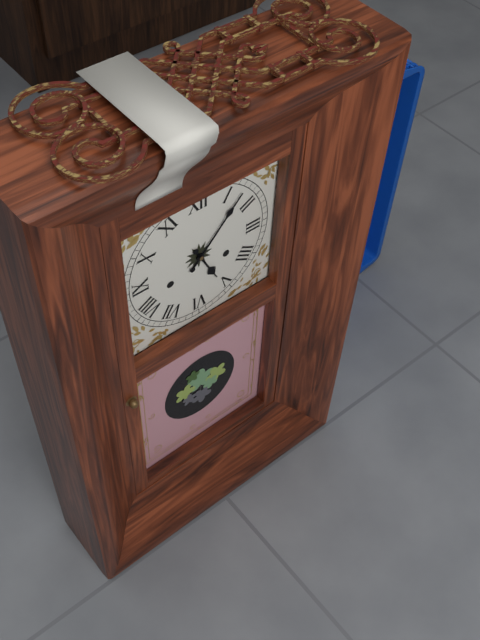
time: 5:07
